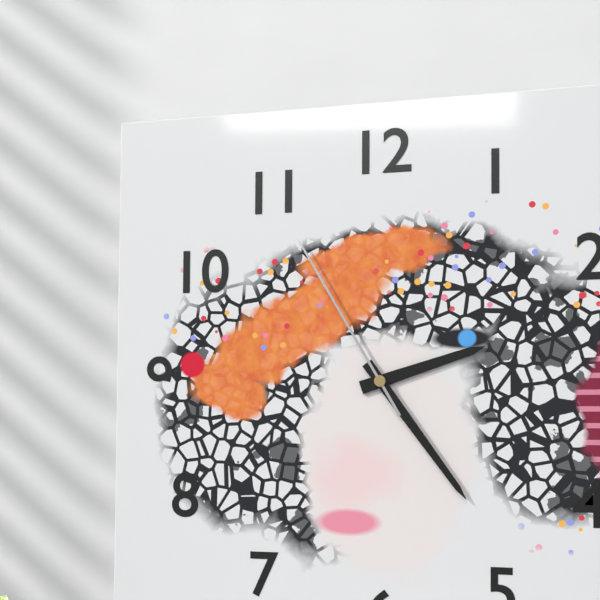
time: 2:24:55
